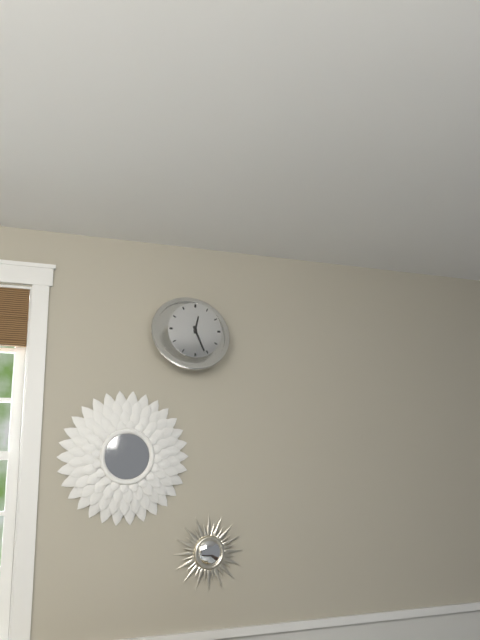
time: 12:26
